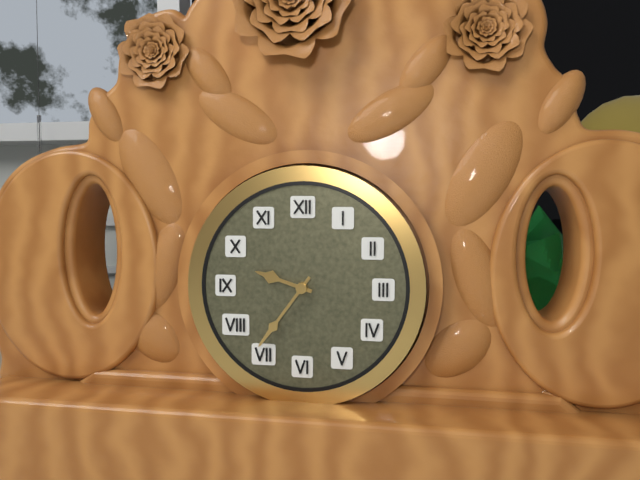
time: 9:36
